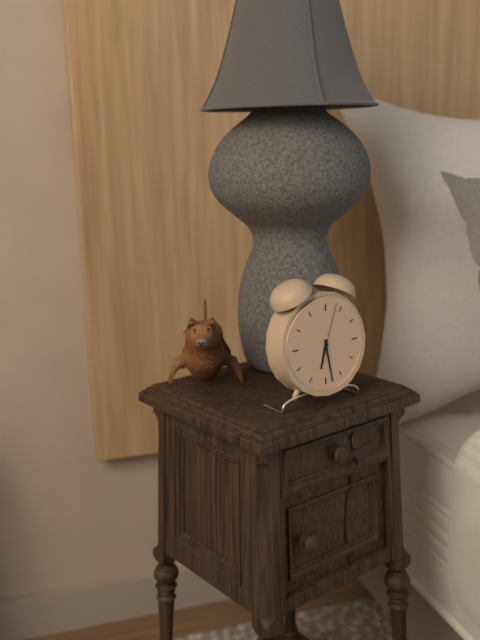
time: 6:28:03
